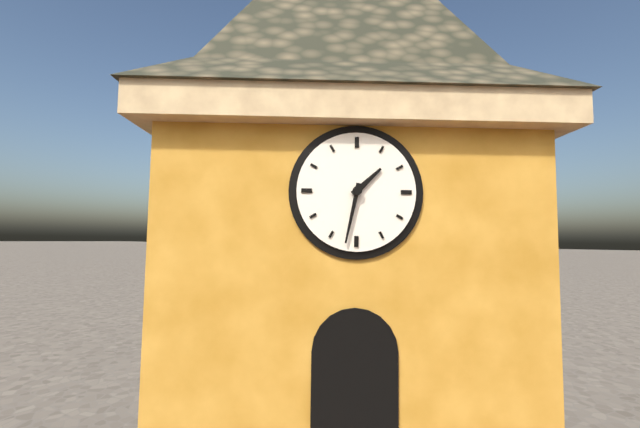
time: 1:32
